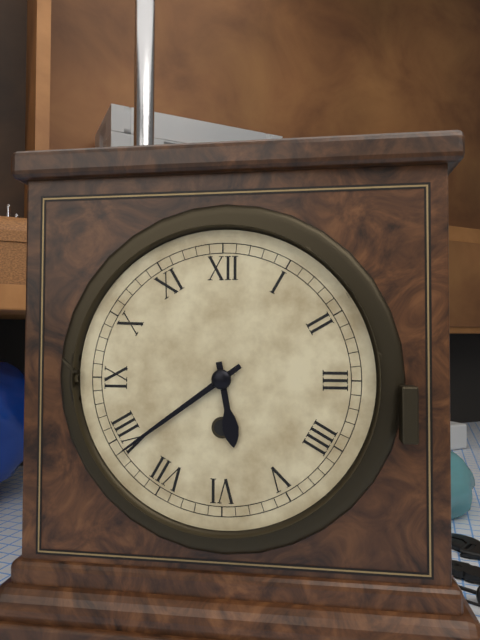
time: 5:39
